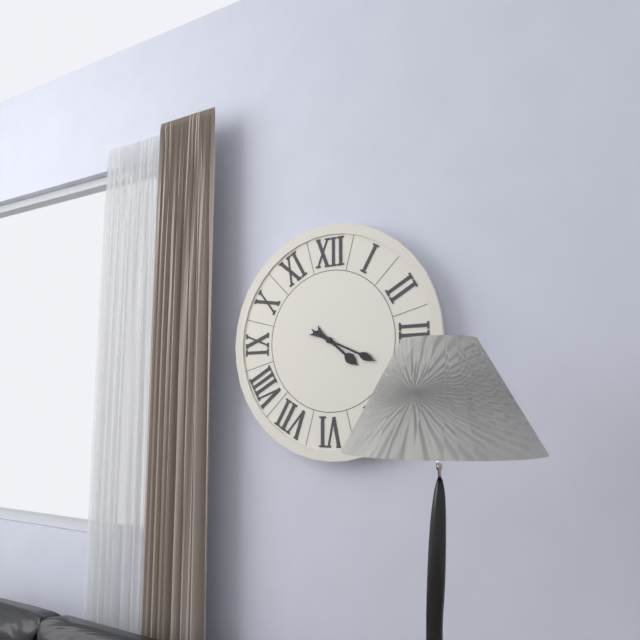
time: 4:19
